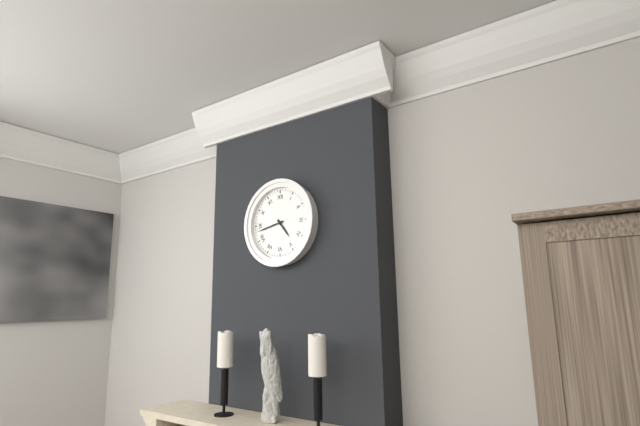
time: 4:43
